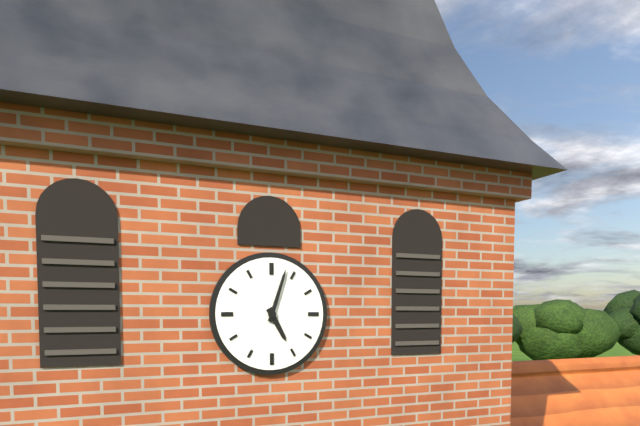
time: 5:03
